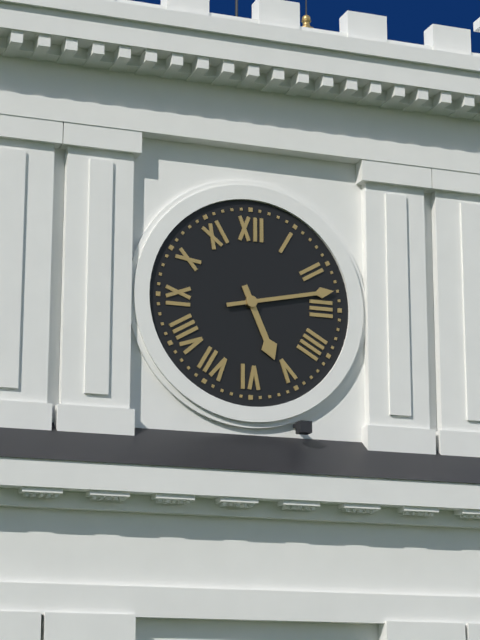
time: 5:13
